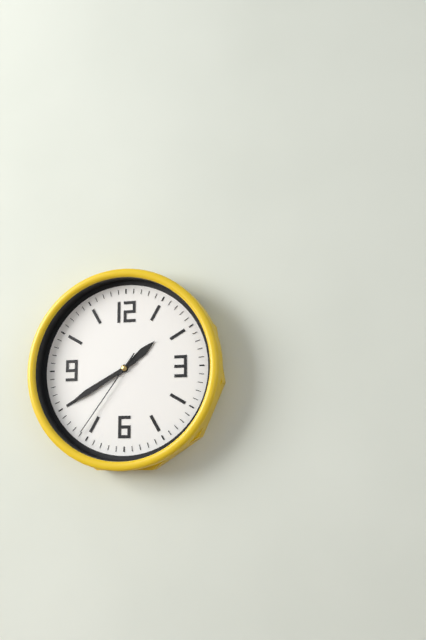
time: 1:40:36
